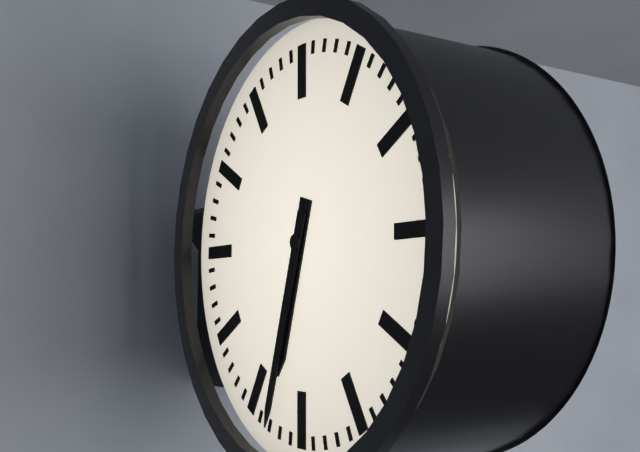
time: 6:33
